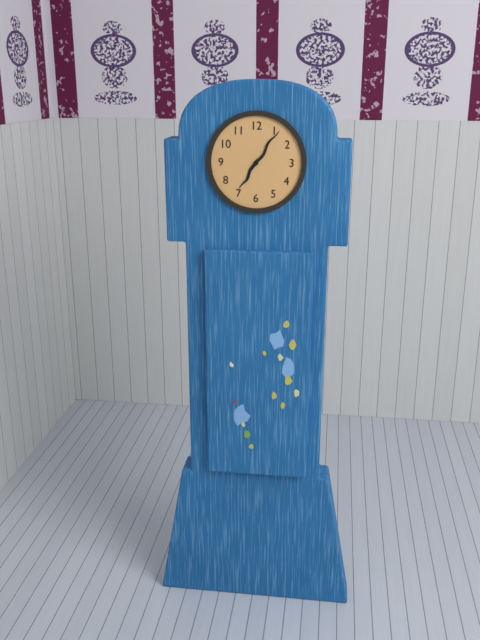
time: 7:06
